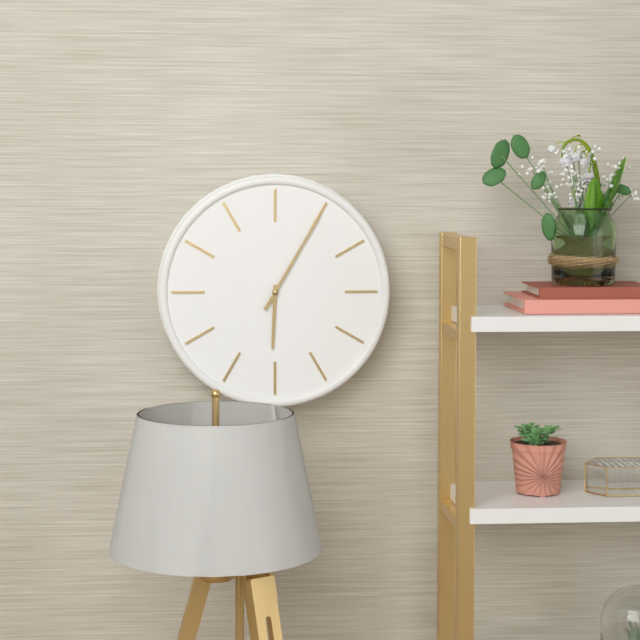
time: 6:05
